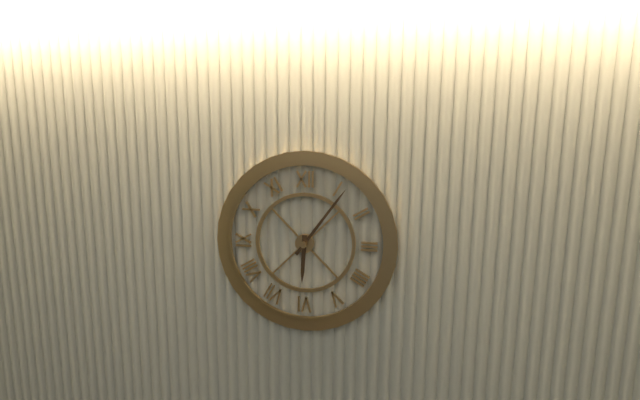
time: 6:06
